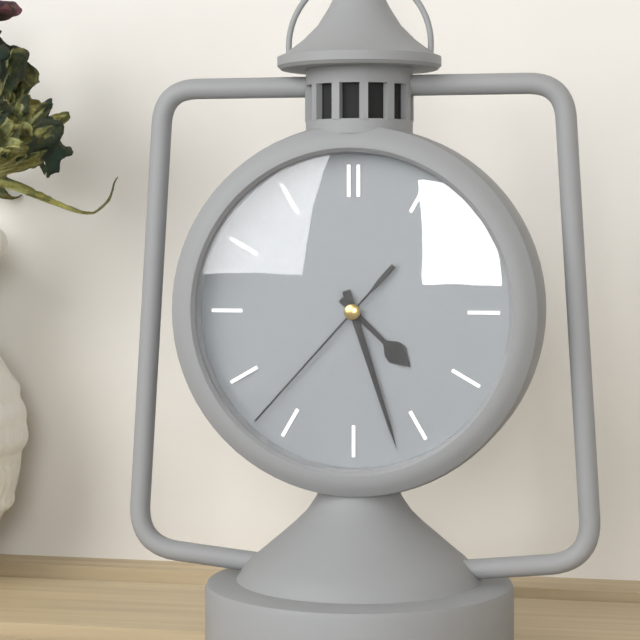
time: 4:27:37
